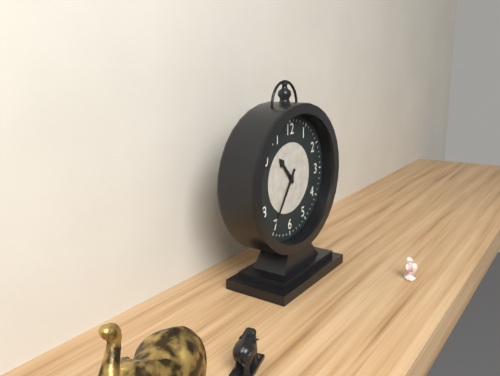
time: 10:36
